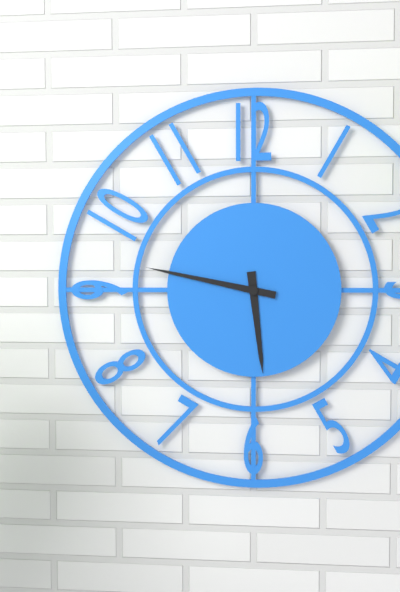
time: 5:47
